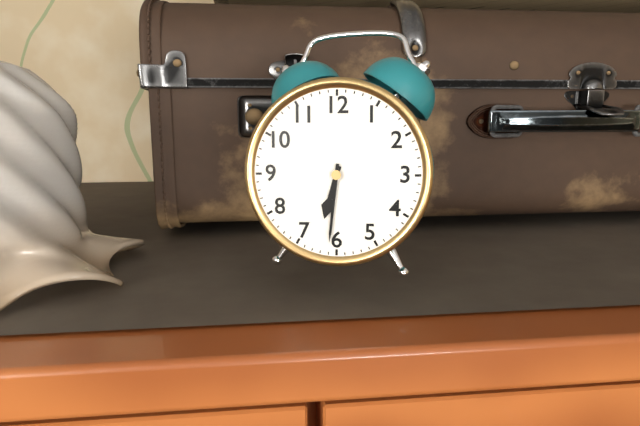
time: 6:31
